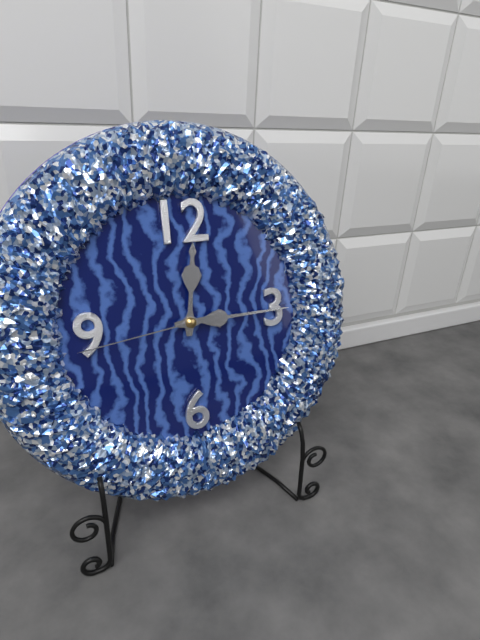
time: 12:15:44
